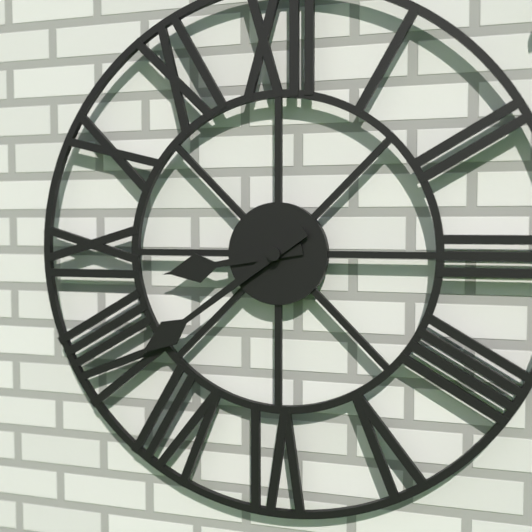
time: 8:39
